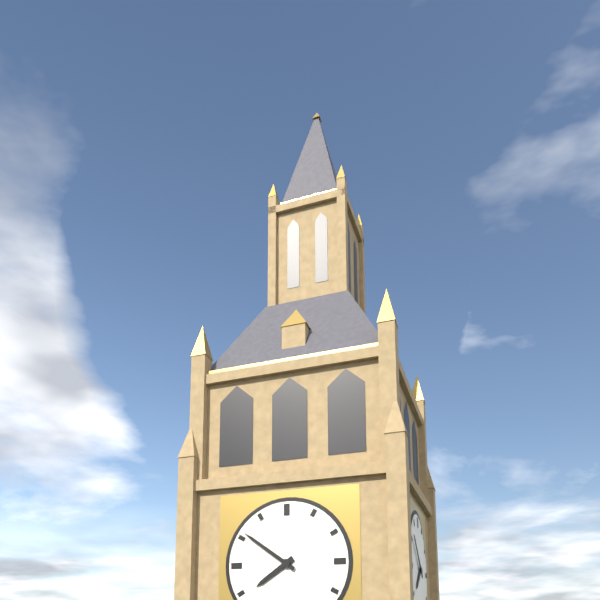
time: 7:51
